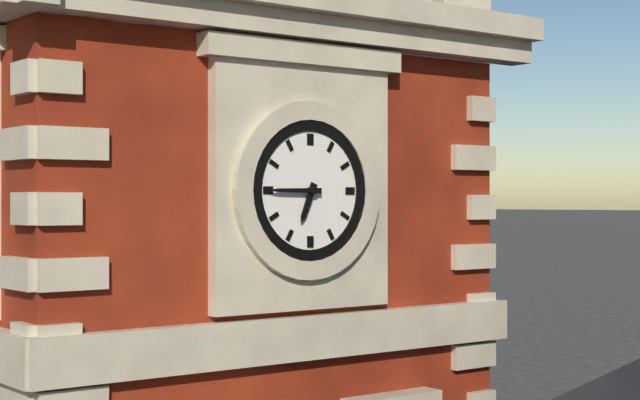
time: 6:45
